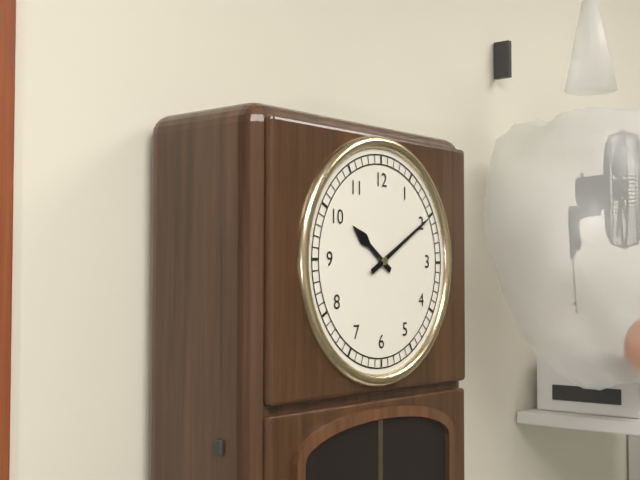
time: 10:10
